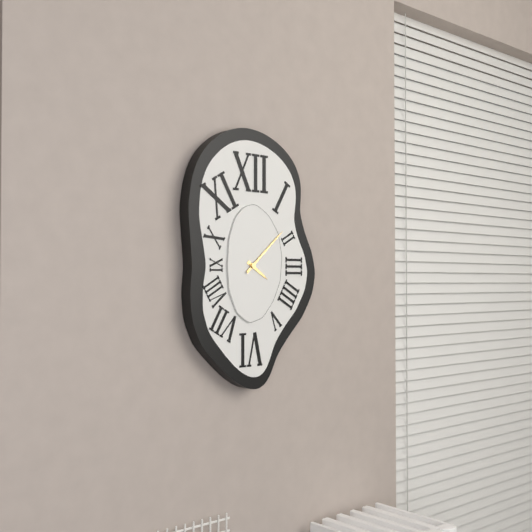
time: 4:08
